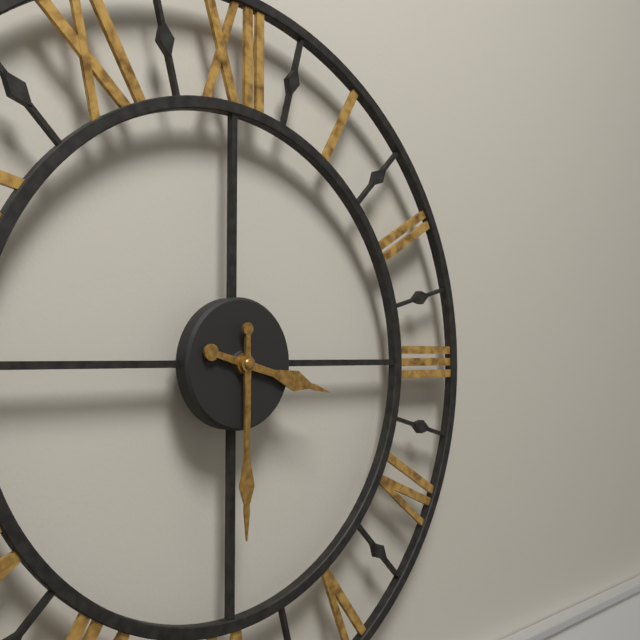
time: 3:30
